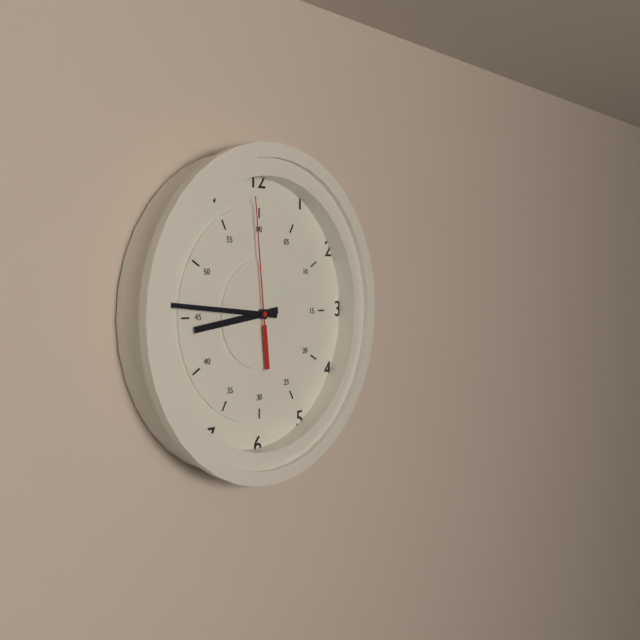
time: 8:46:59
